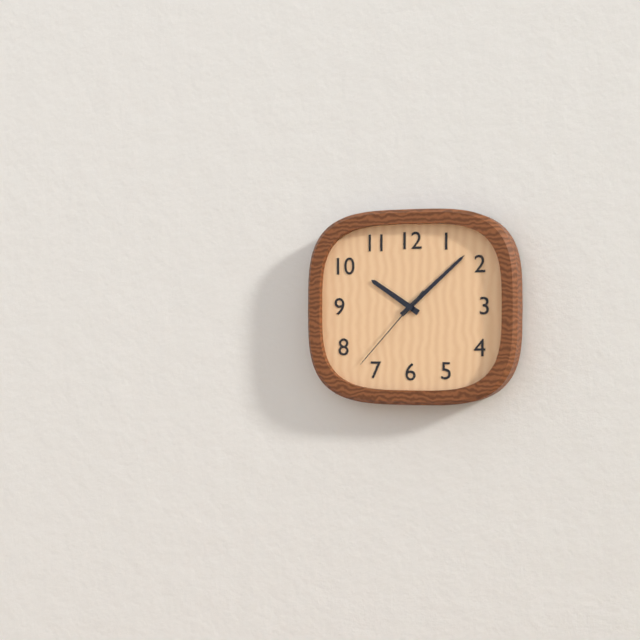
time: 10:08:37
